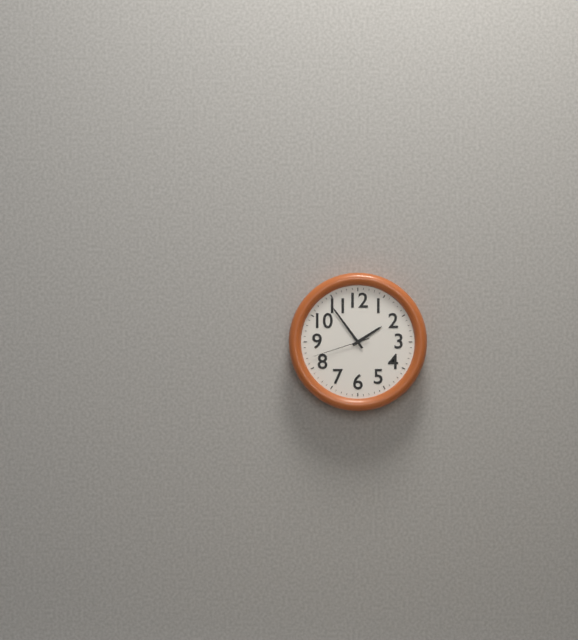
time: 1:54:42
